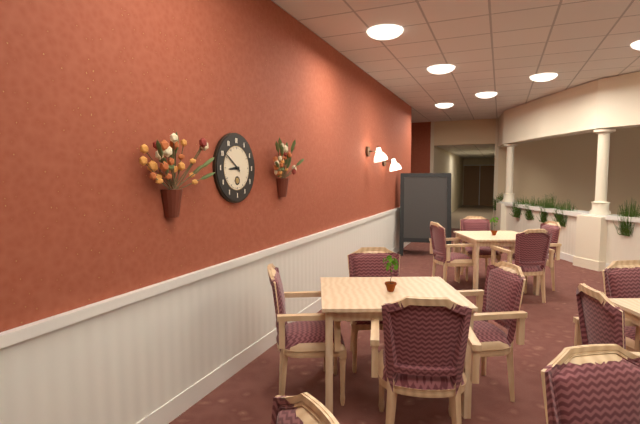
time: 8:51
